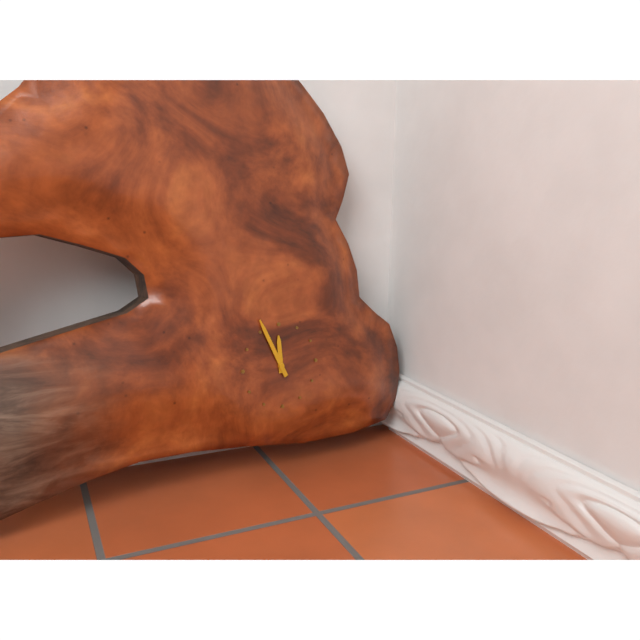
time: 11:56
